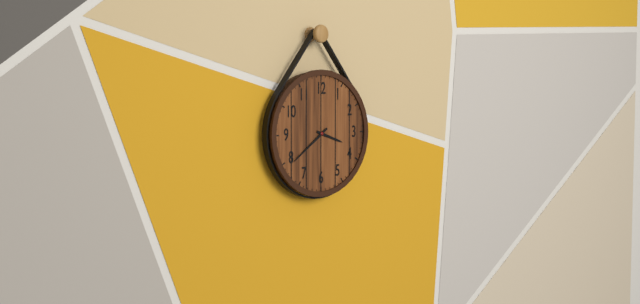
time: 3:39
